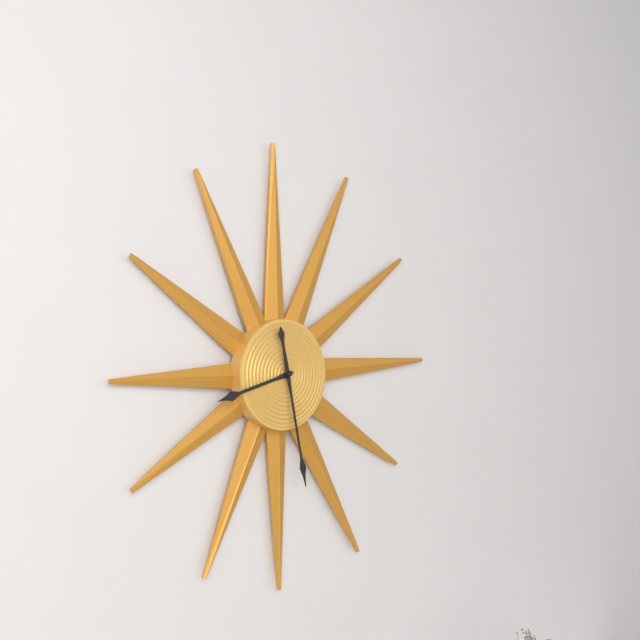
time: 8:28
